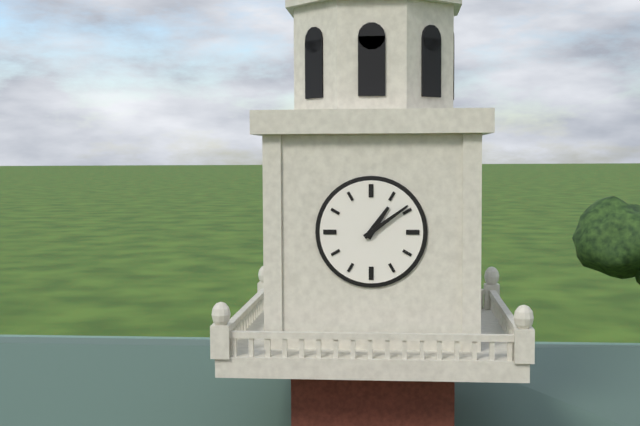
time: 1:09
